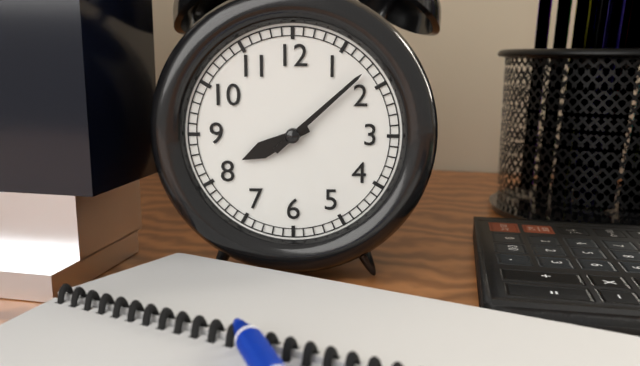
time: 8:08
